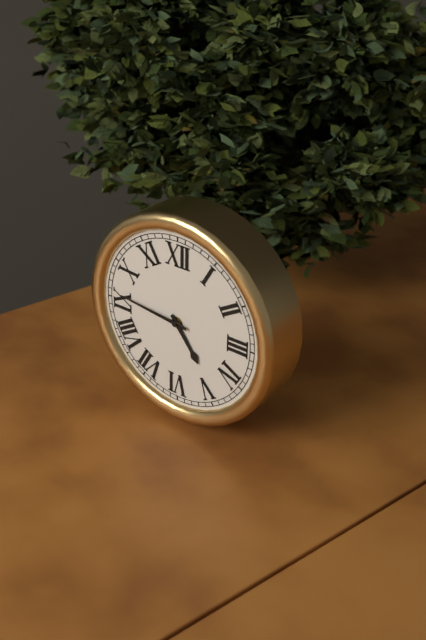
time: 4:46
